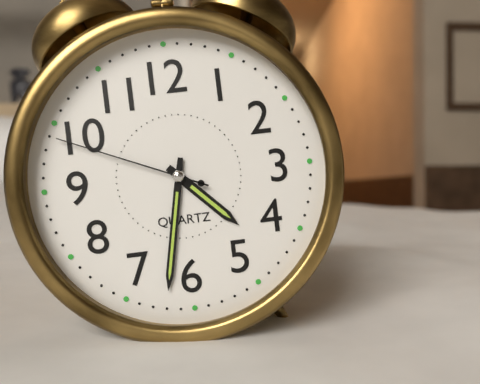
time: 4:32:49
